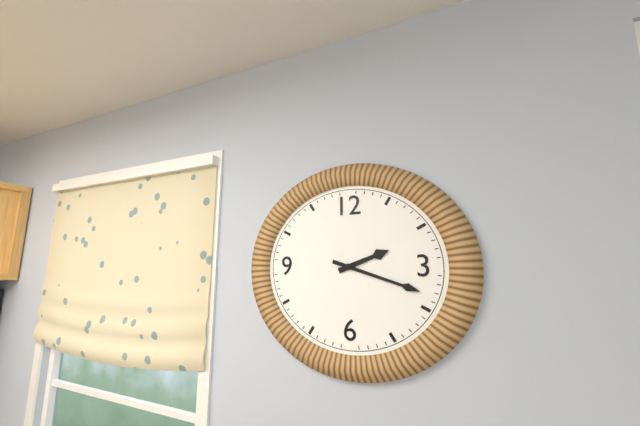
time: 2:18
